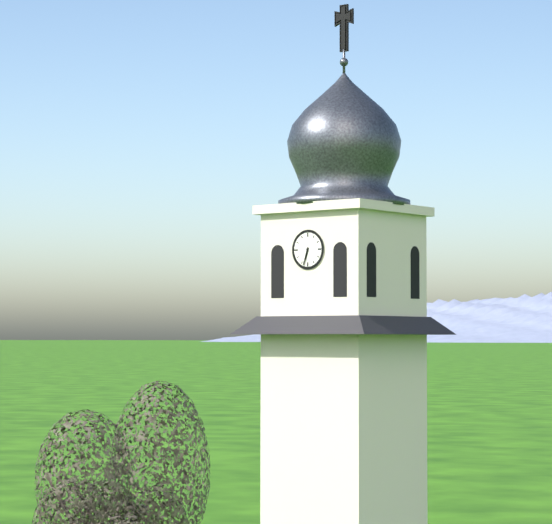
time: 6:33
